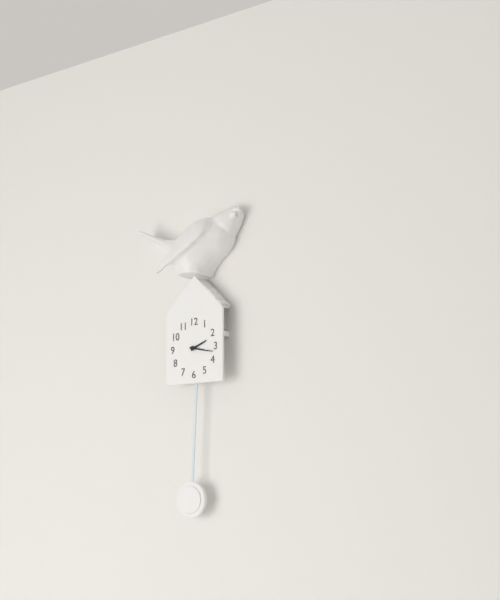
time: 2:17
